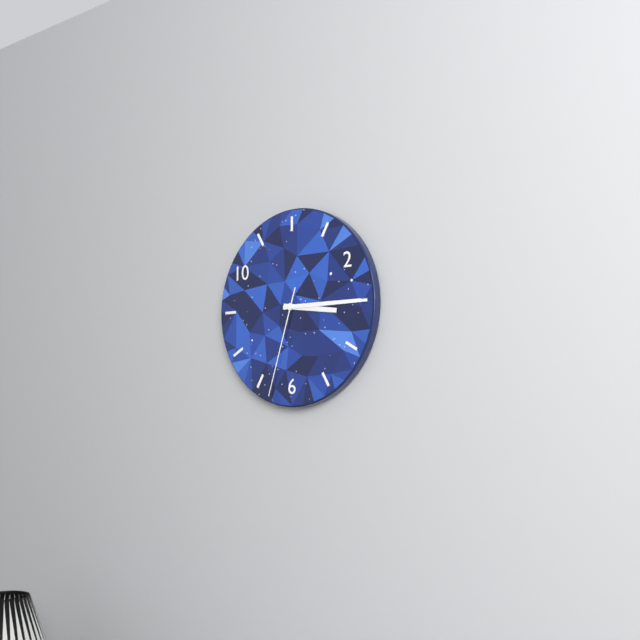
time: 3:15:33
